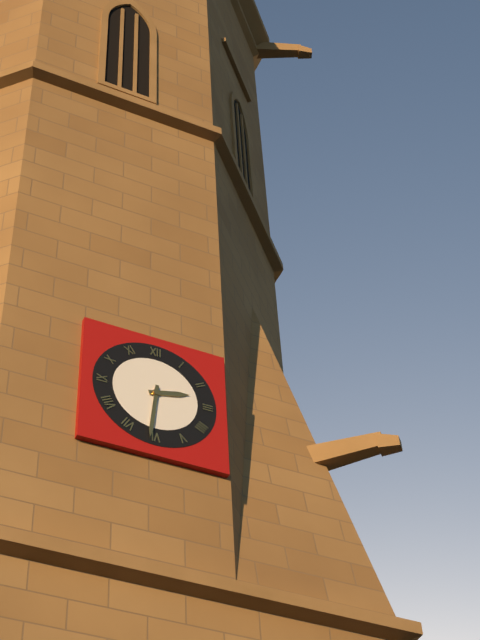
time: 2:31
